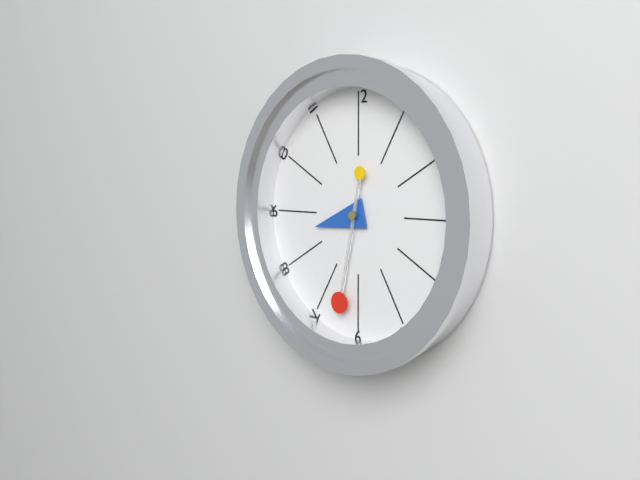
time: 8:32
